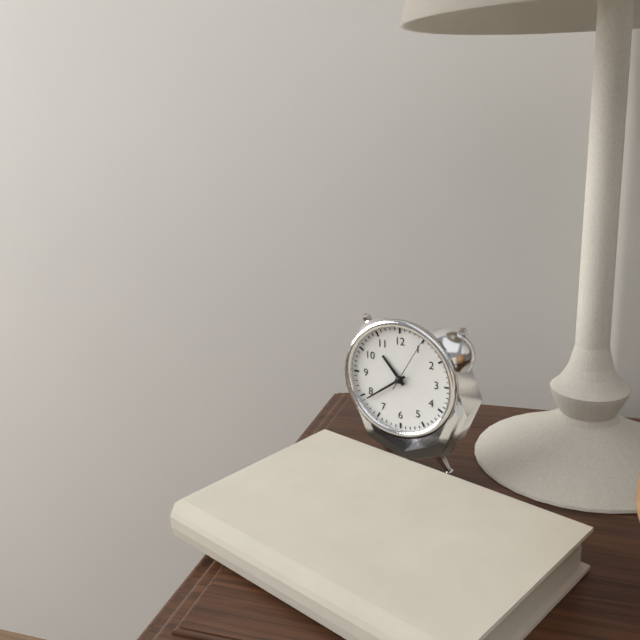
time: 10:39:05
